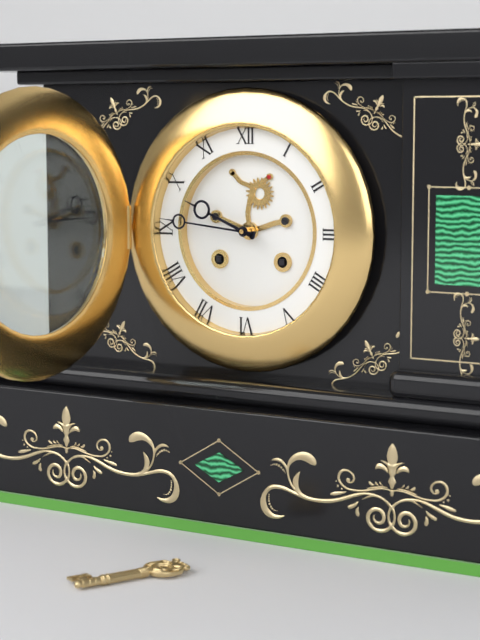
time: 9:46
